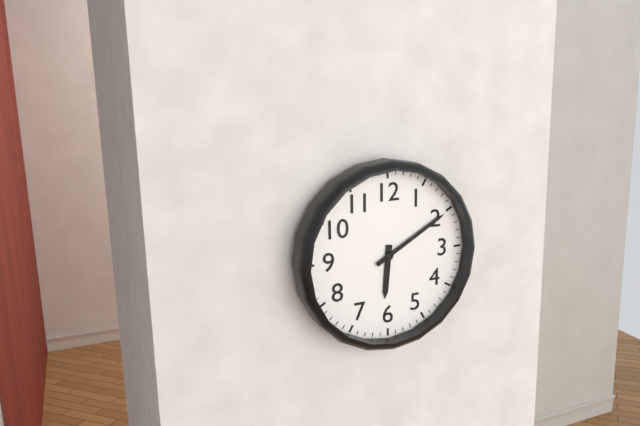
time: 6:10
